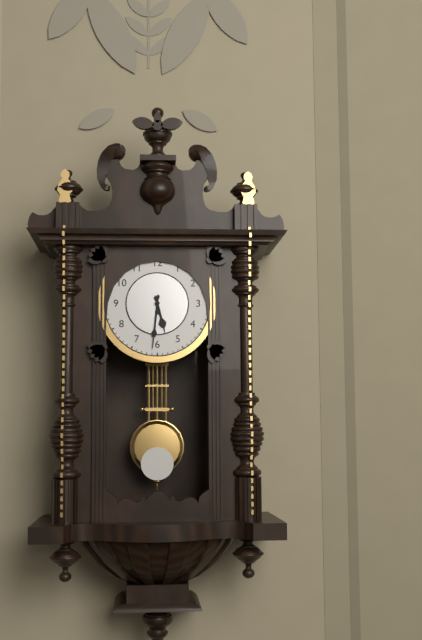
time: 5:31
